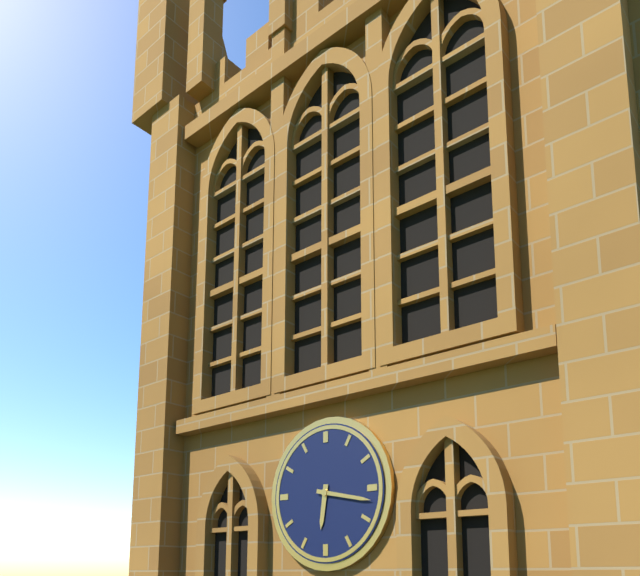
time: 6:17
